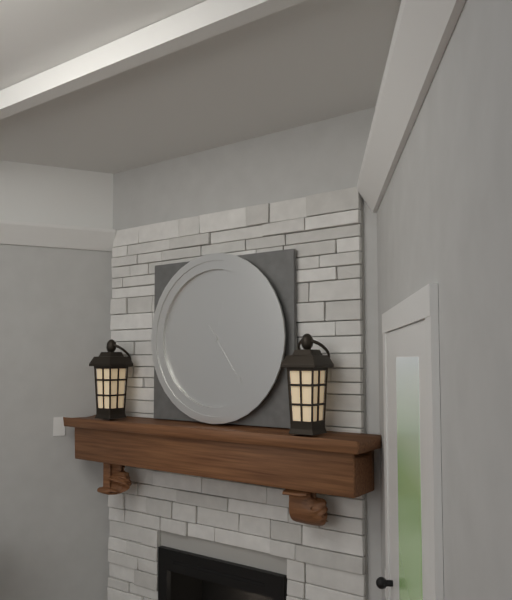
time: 12:24
